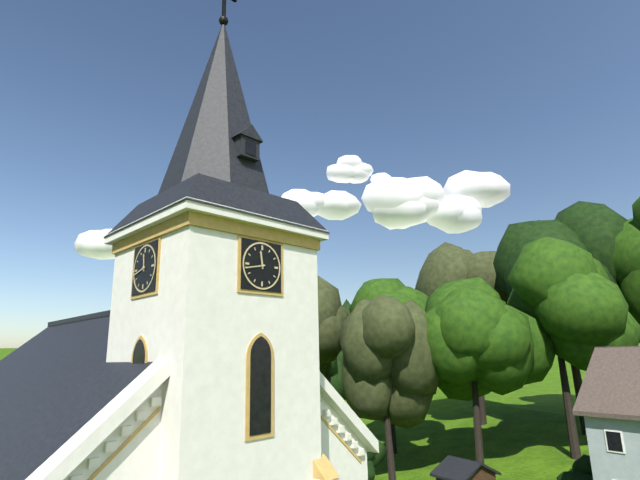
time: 11:43
